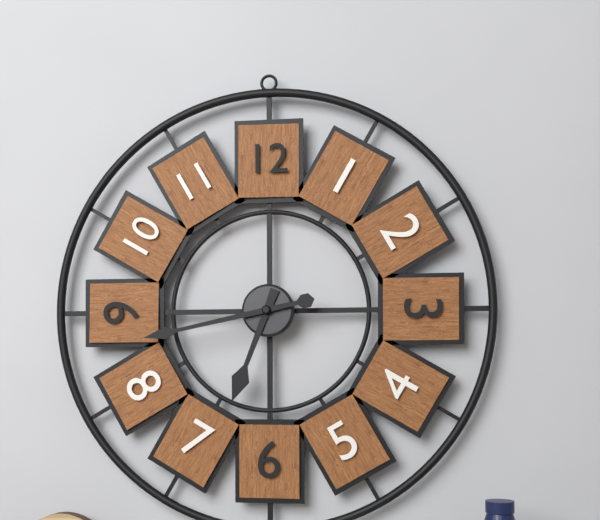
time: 6:43
